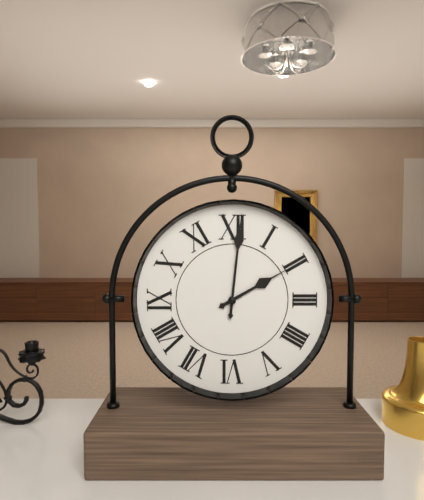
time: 2:01
